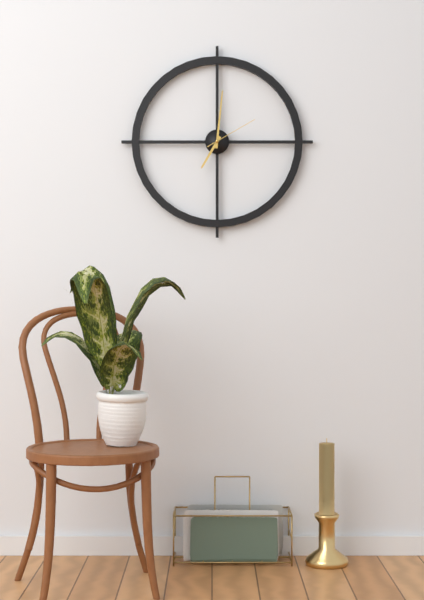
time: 7:01:10
